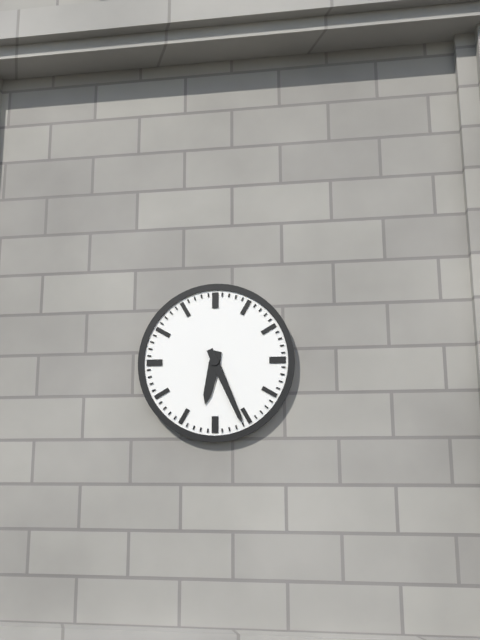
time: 6:26
